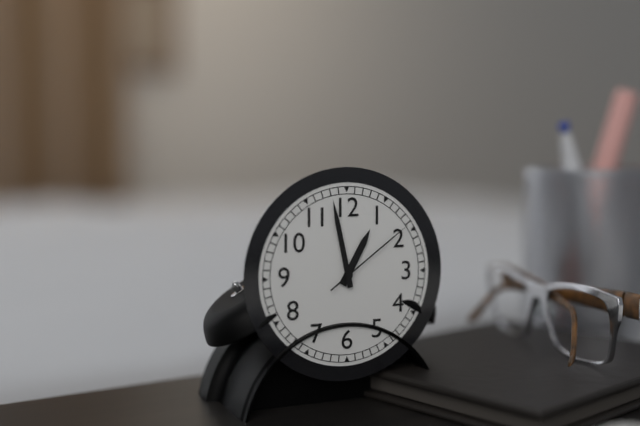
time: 12:58:09
